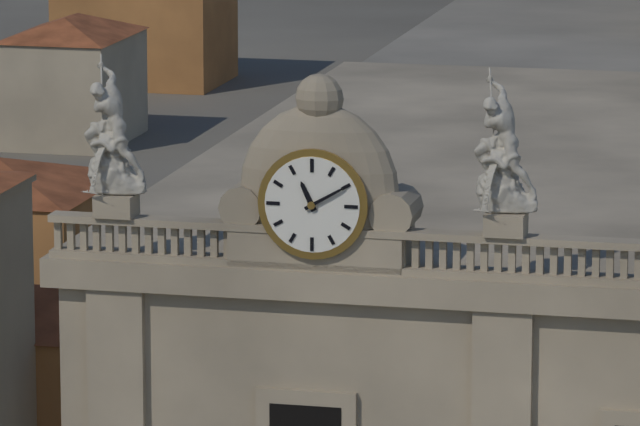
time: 11:10
